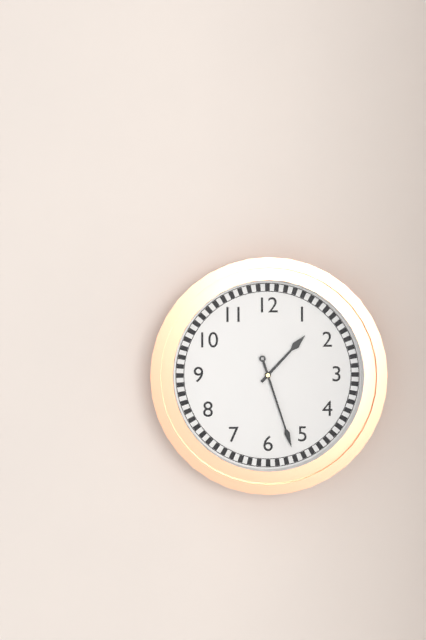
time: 1:27
